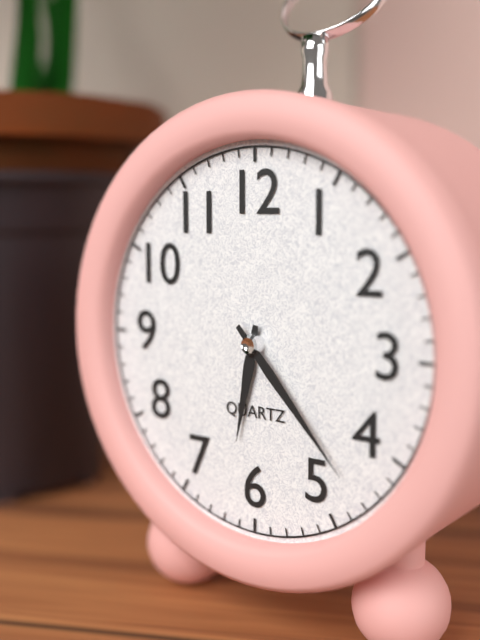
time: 6:23
